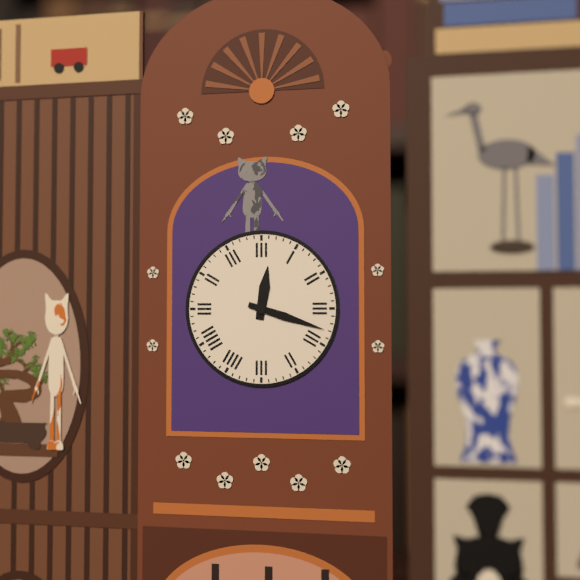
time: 12:18
